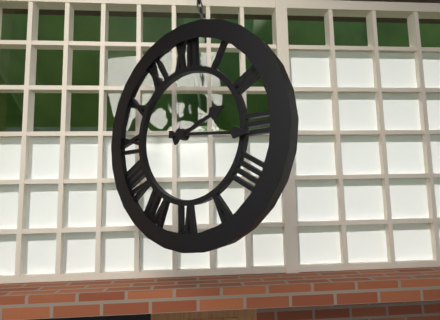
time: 2:16
